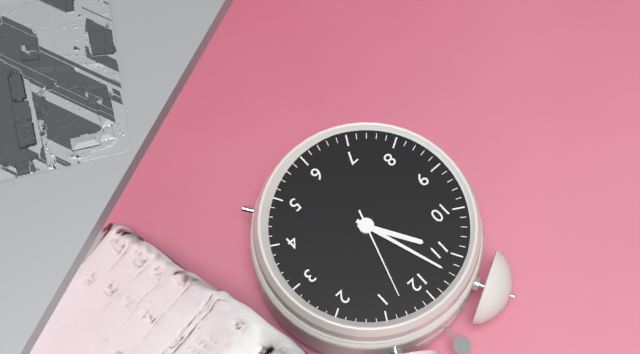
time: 10:57:03
